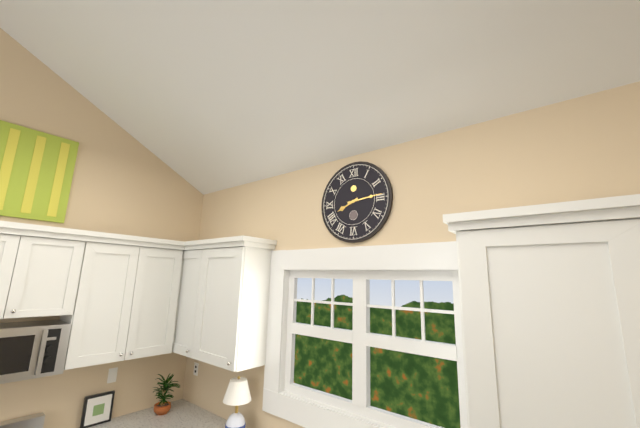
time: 8:14
